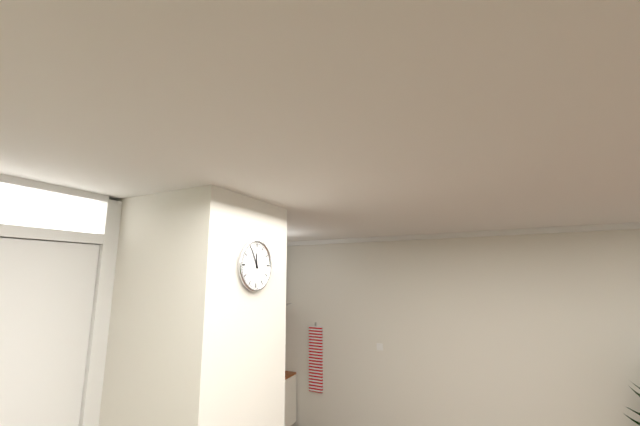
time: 11:55
